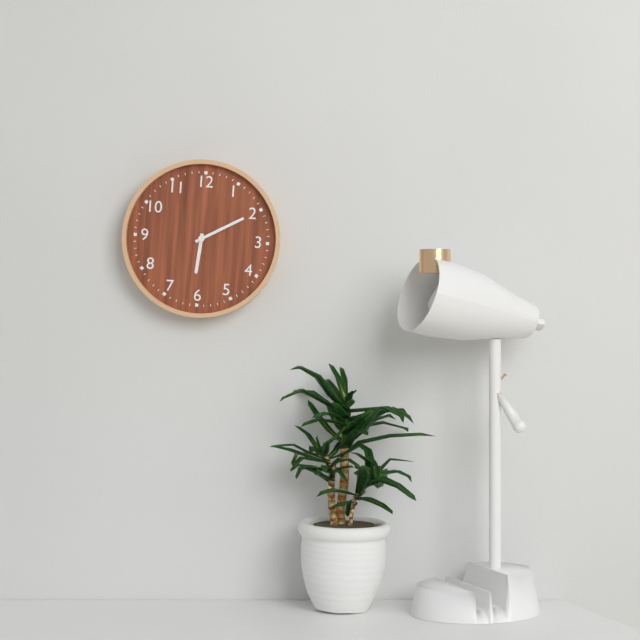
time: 6:10
